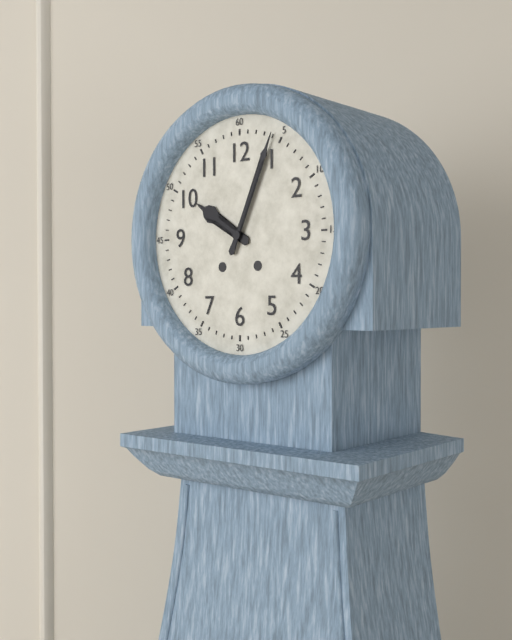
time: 10:04
